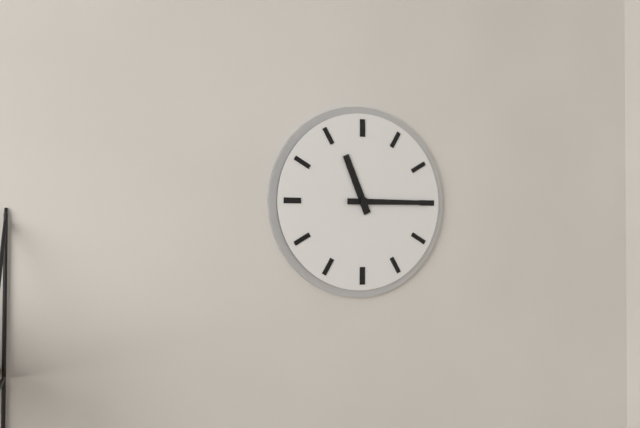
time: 11:15
